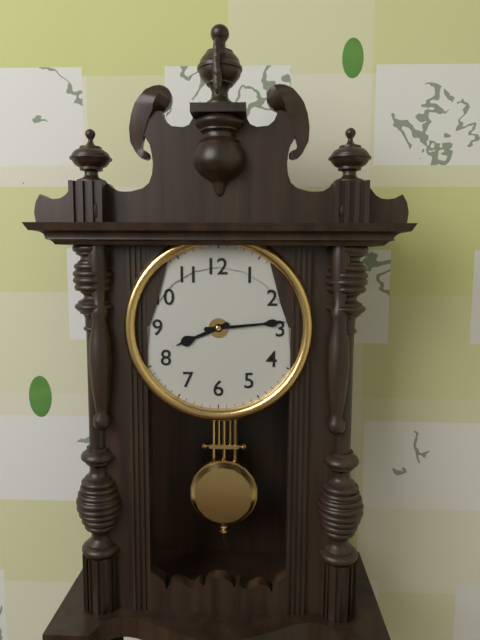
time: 8:14
